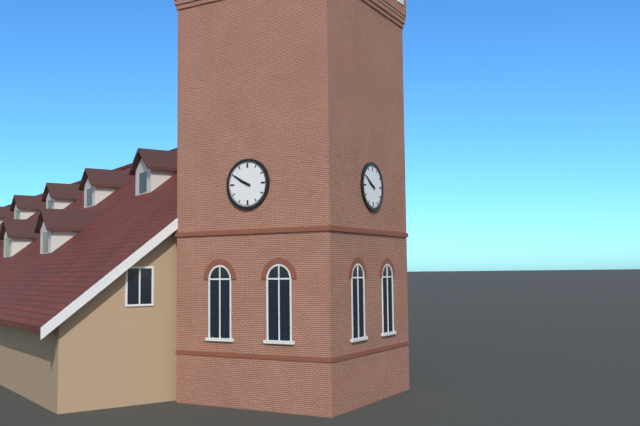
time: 9:50
